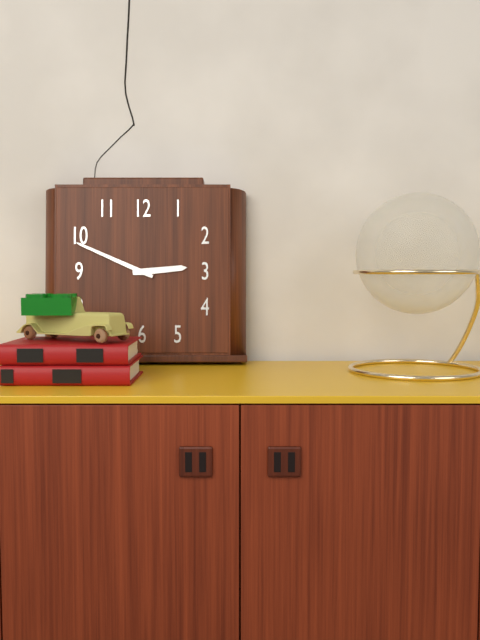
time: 2:49
